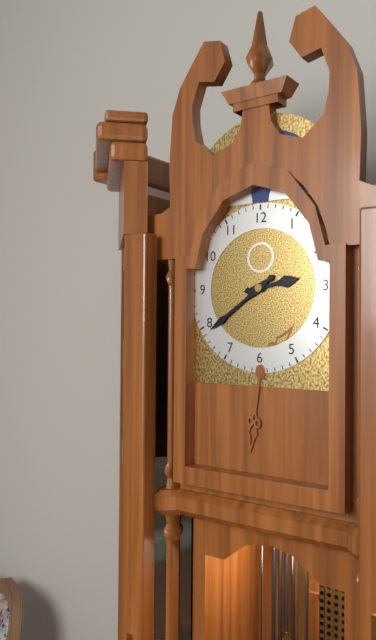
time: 2:39
